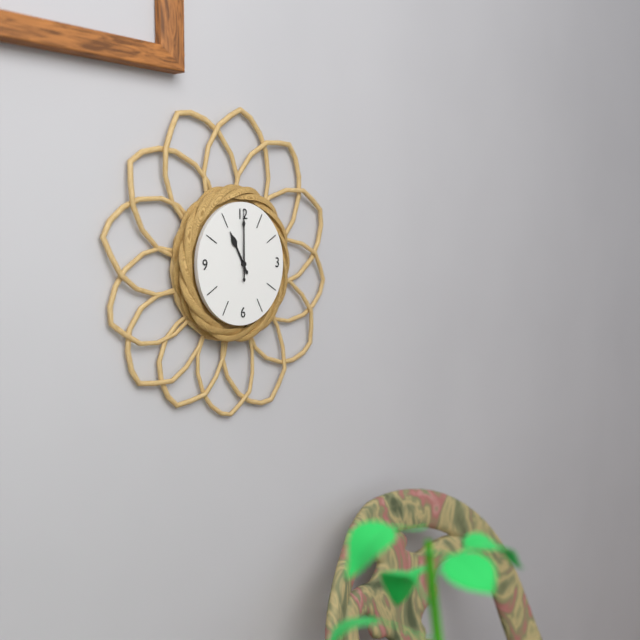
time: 11:00
